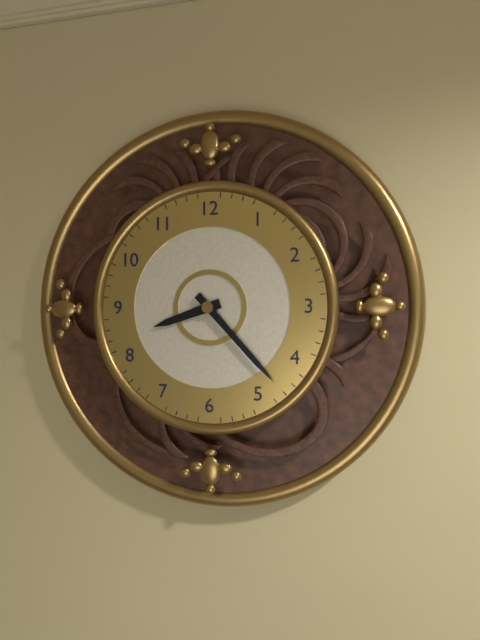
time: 8:23
